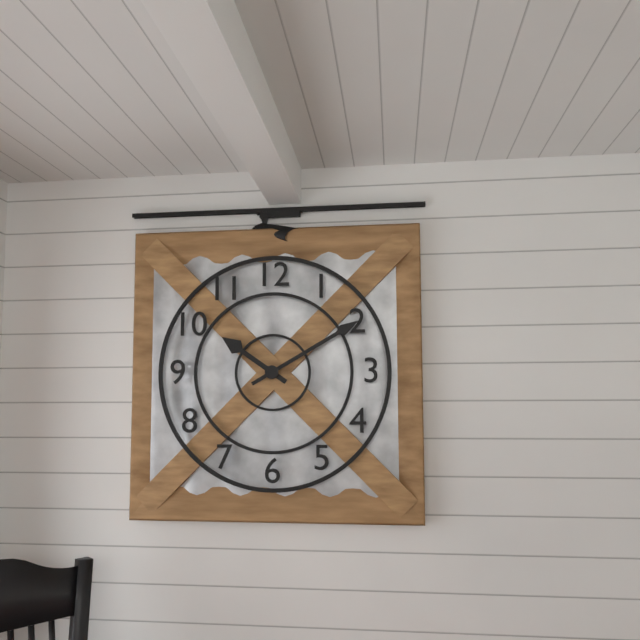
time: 10:10
